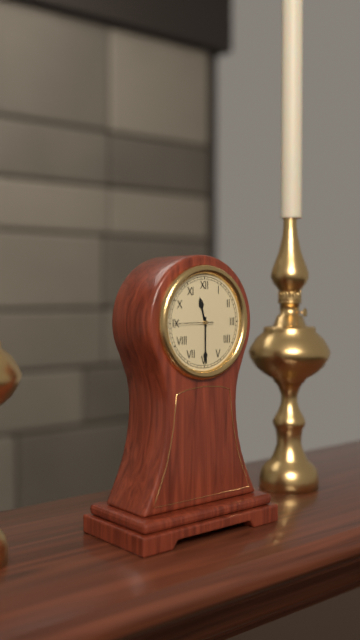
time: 11:30
